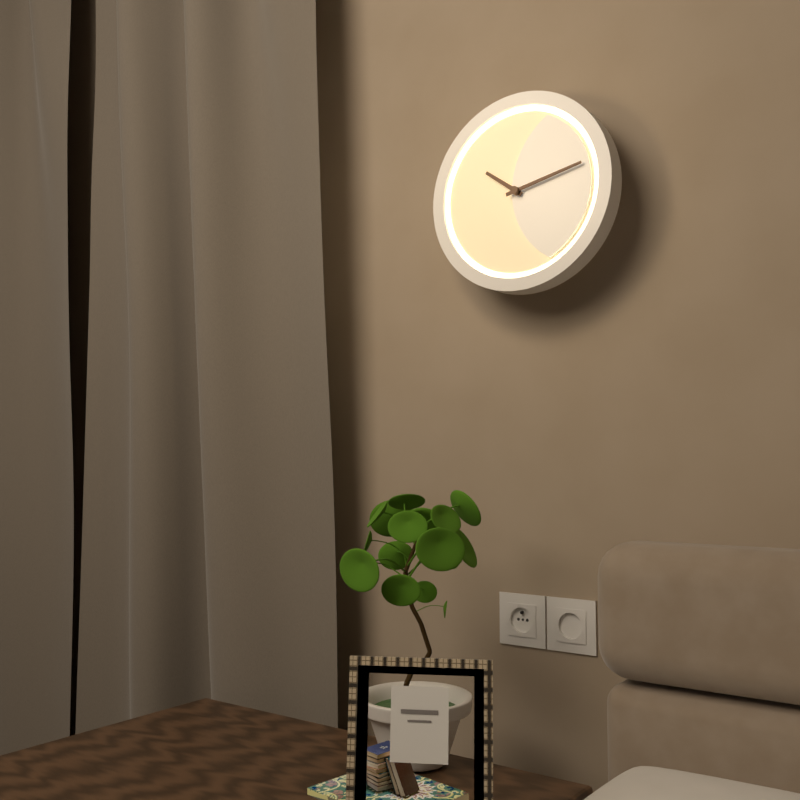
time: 10:13
